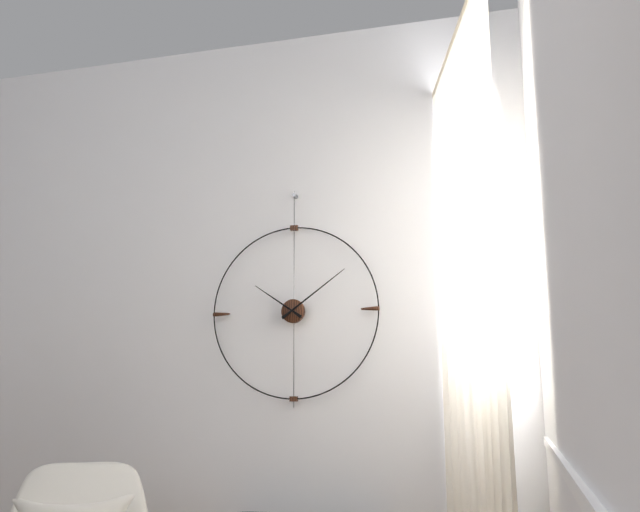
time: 10:09
